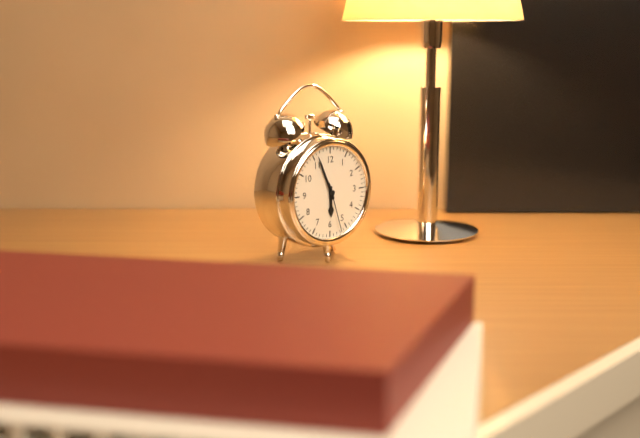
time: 5:56:27
